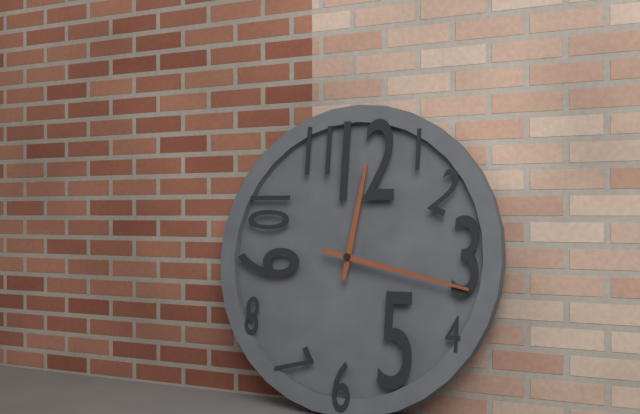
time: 12:17
